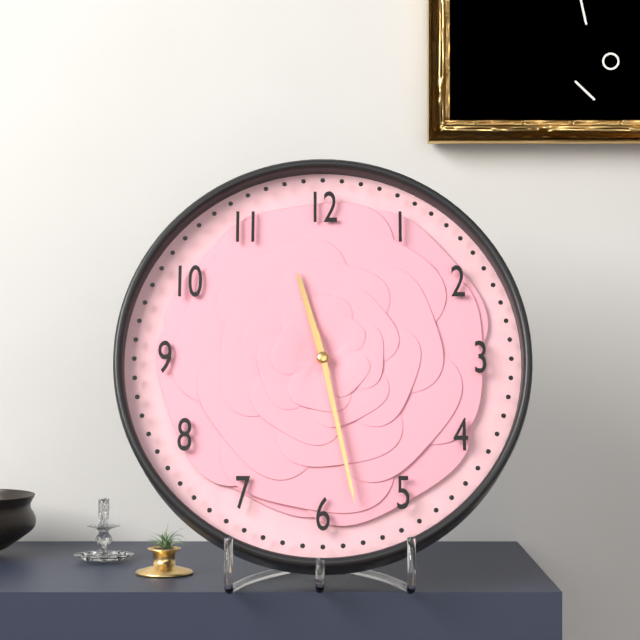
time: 11:28
